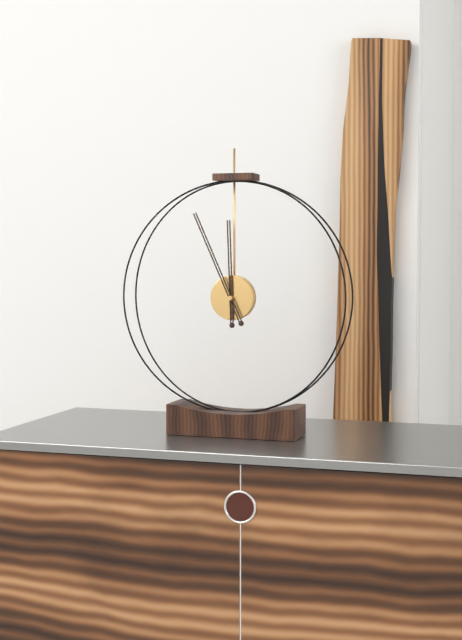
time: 11:56
